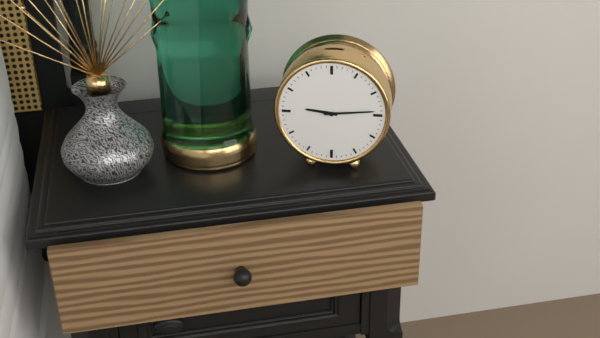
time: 9:14
